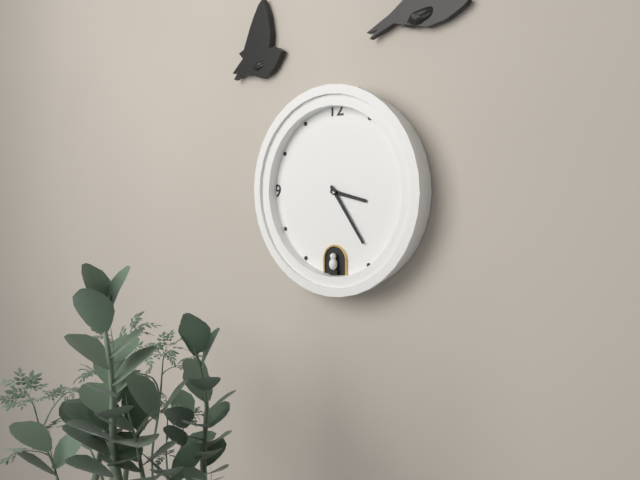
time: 3:24
